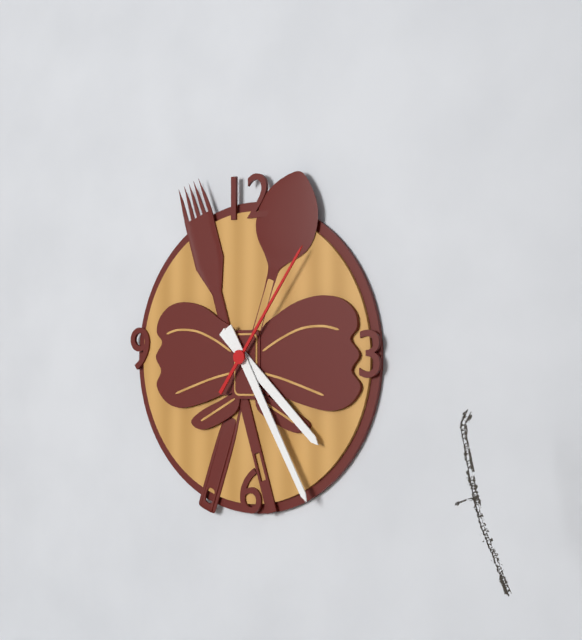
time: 4:25:06
